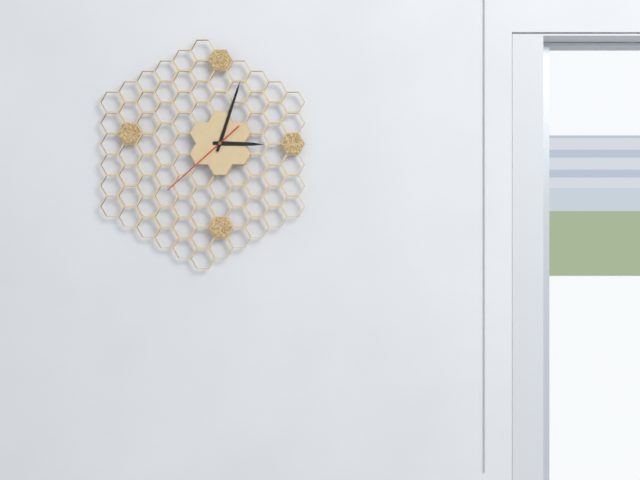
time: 3:03:38
